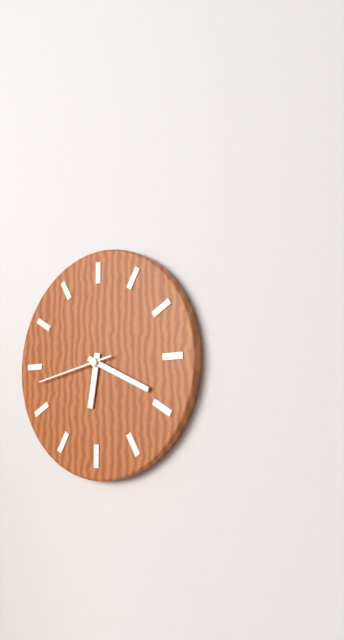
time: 6:19:43
